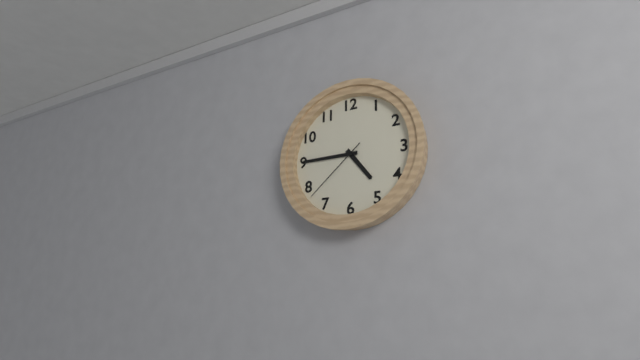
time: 4:45:38
